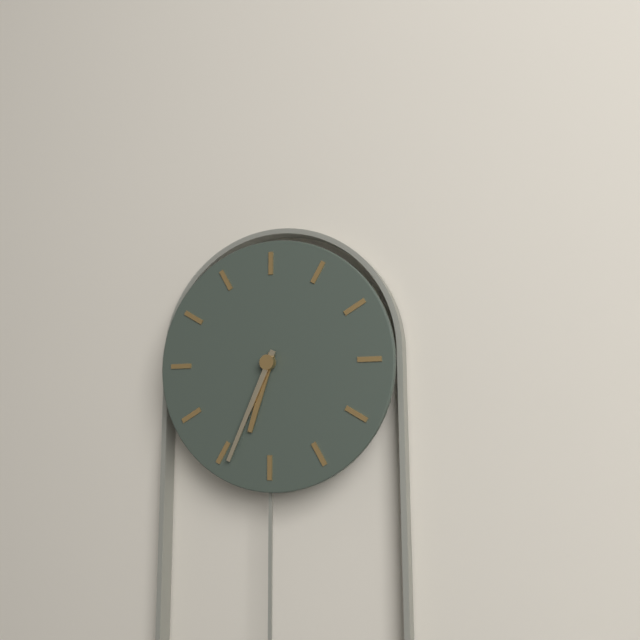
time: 6:34
